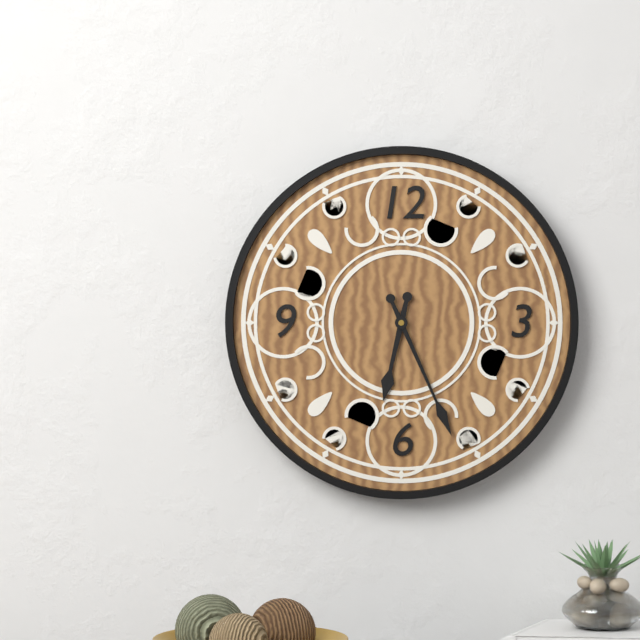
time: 6:26
